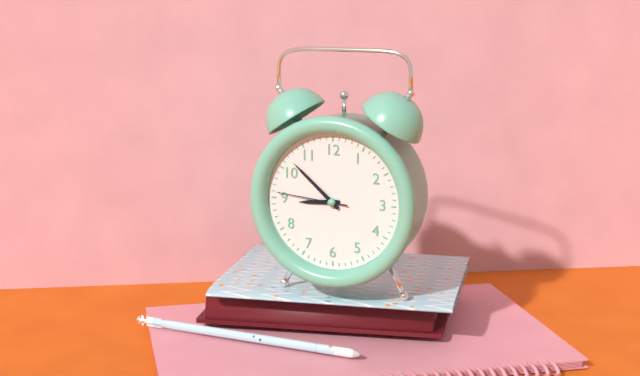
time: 8:52:46
